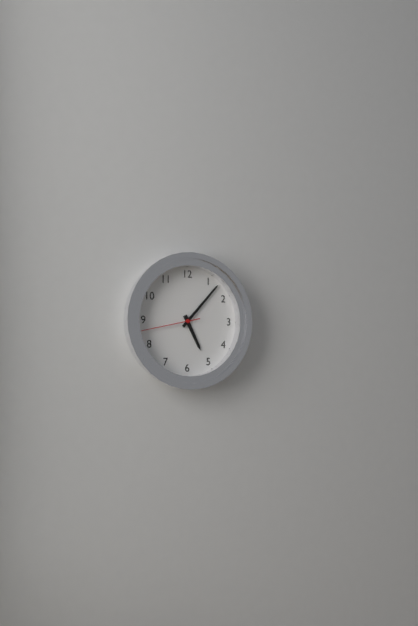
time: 5:07:43
